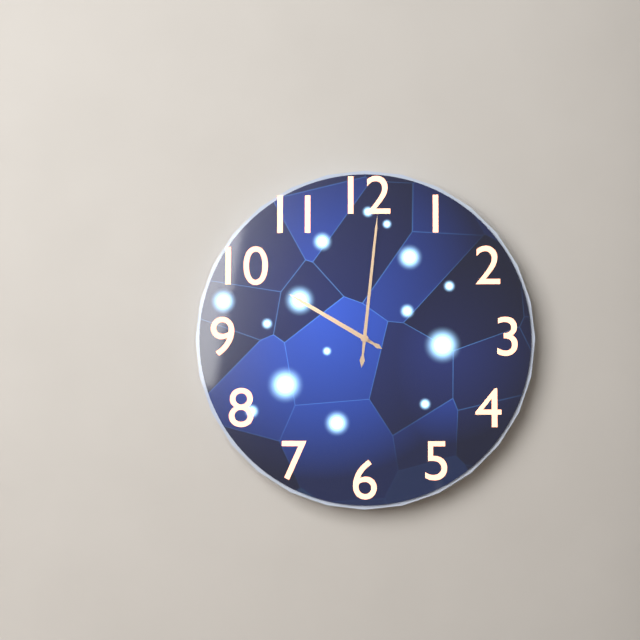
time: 10:01
